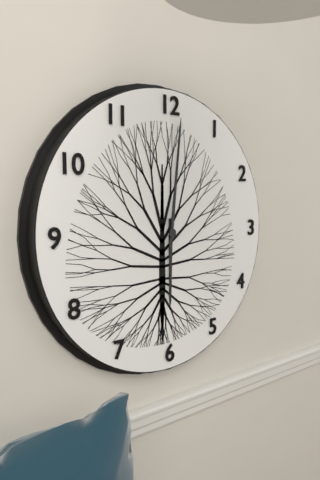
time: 6:01
